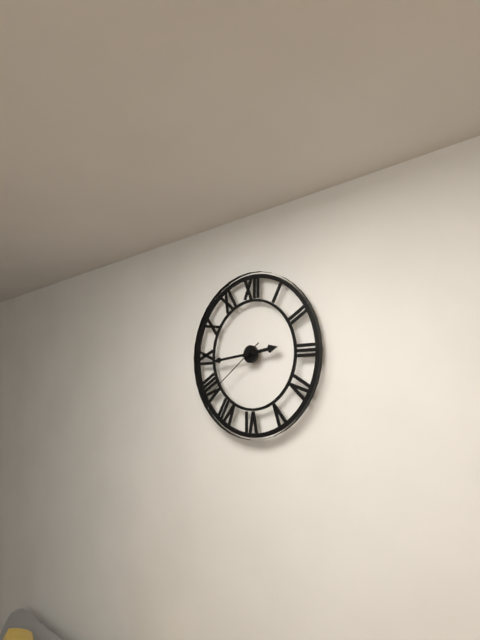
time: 2:44:39
